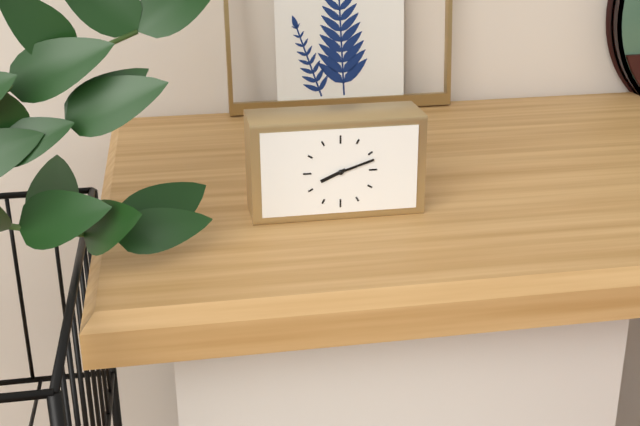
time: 8:12
